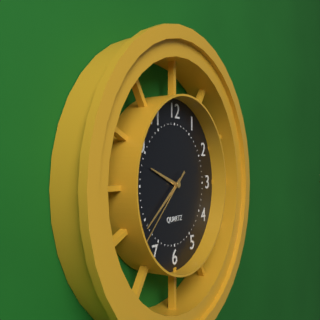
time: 9:39:38
